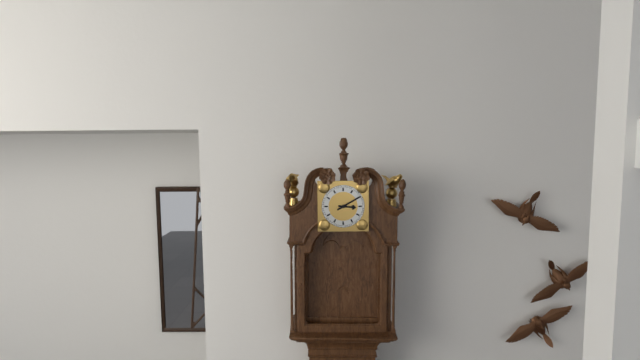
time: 3:10
